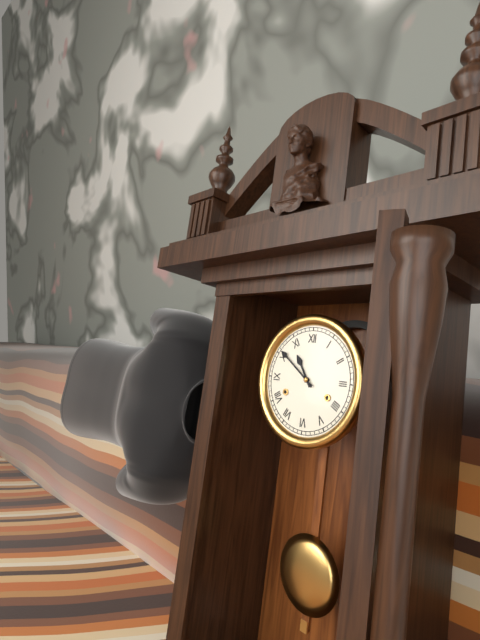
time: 10:51
